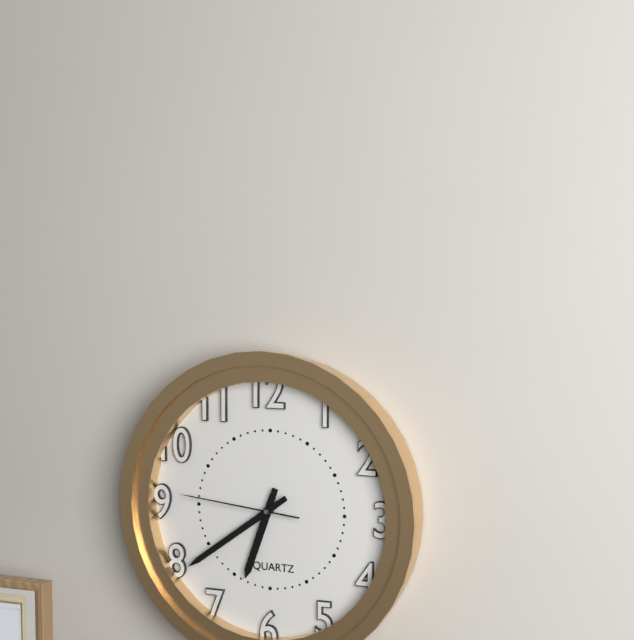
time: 6:39:46
